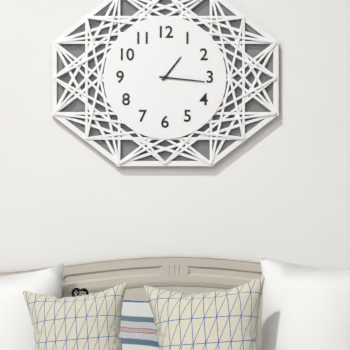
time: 1:16
